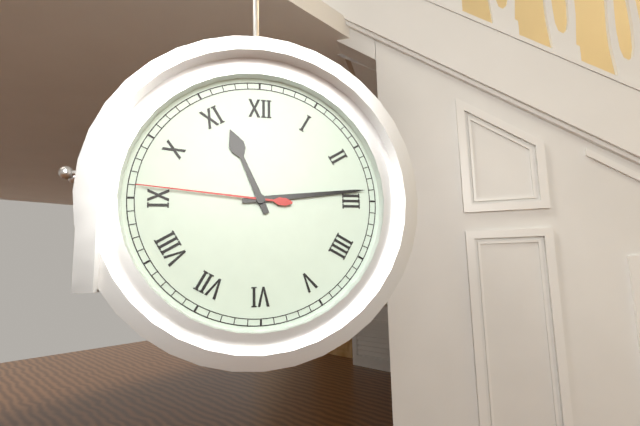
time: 11:14:46
